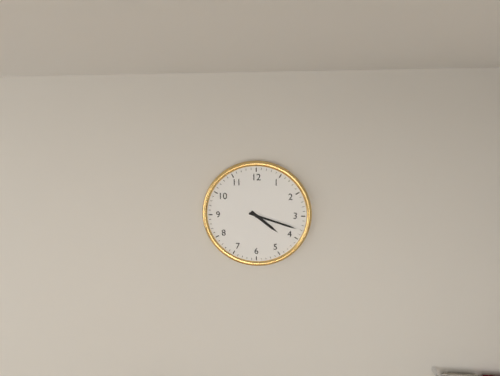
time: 4:18
